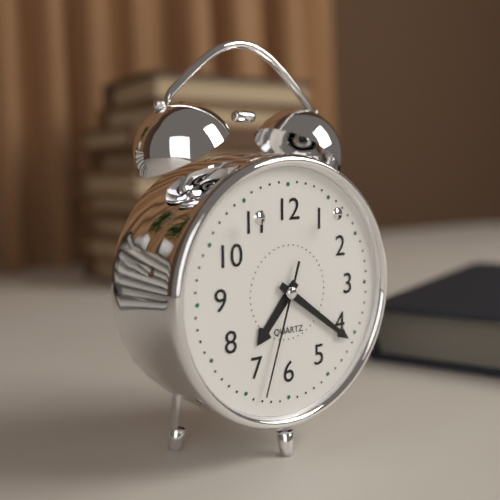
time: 7:21:33
